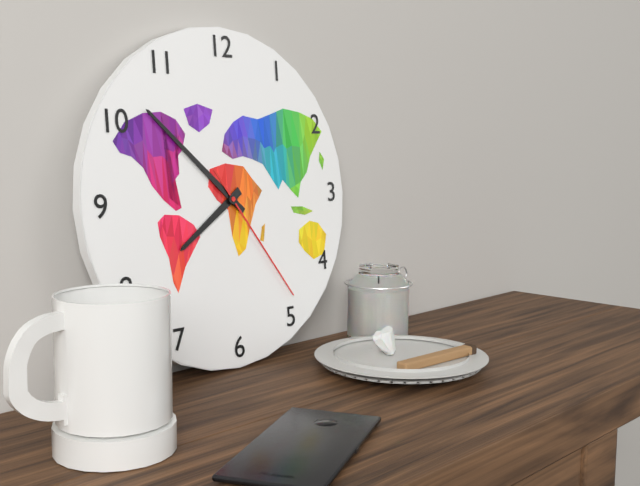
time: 7:52:24
